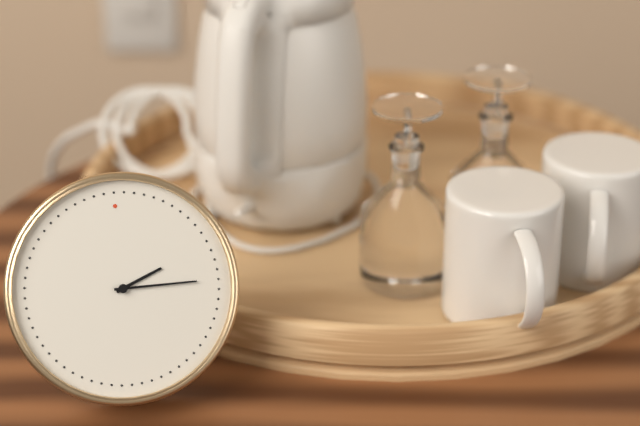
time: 2:15
